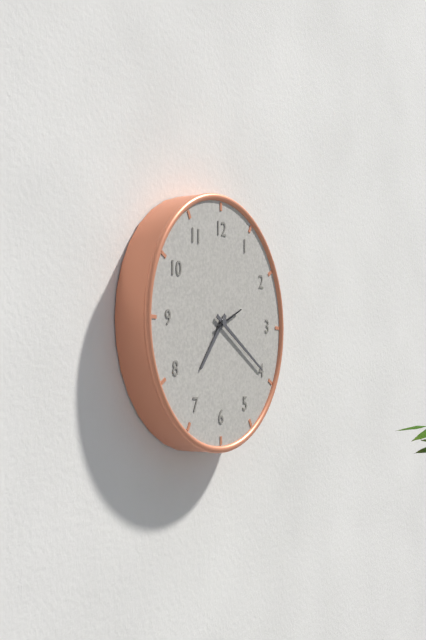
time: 7:20
